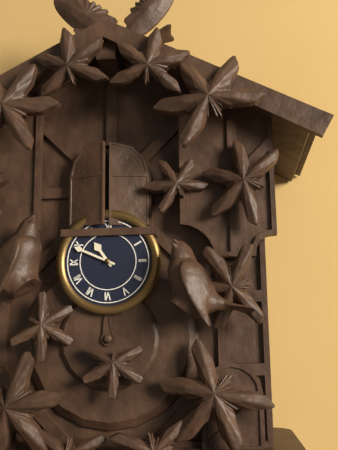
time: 10:49
